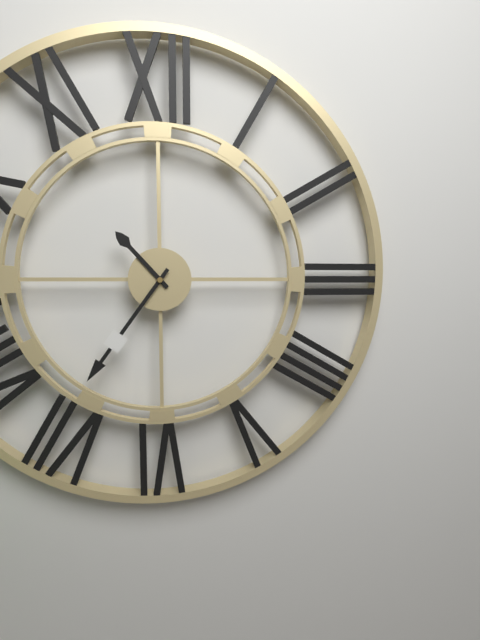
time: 10:36
